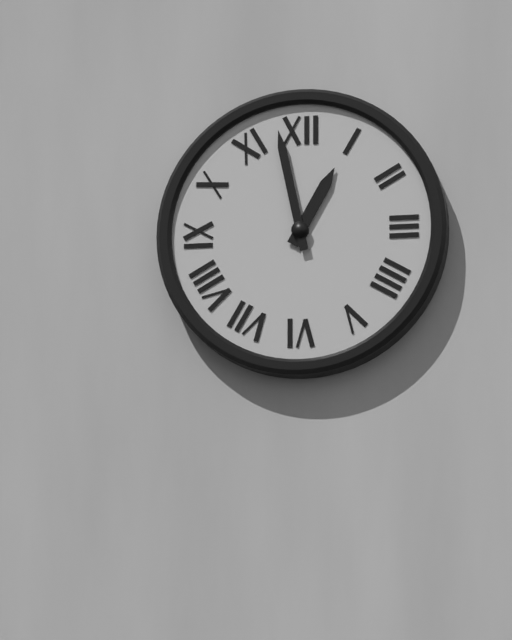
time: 12:58
